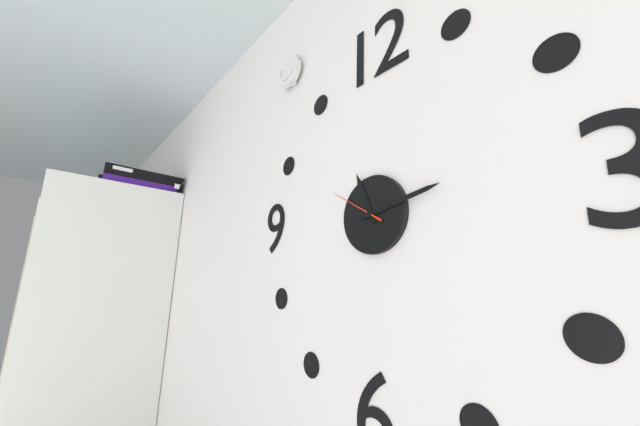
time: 11:13:50
